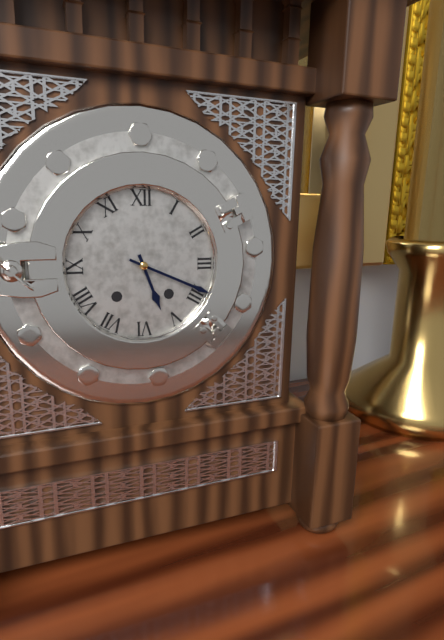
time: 5:19
